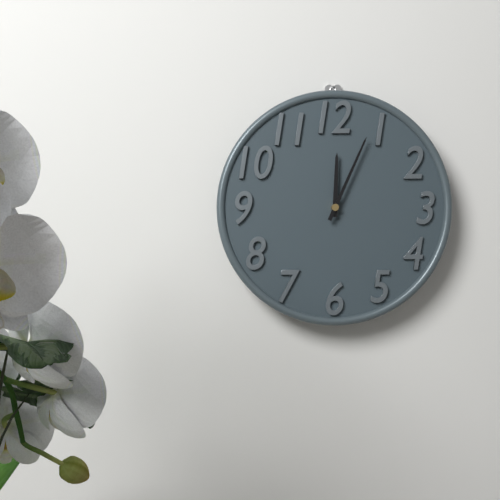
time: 12:04
